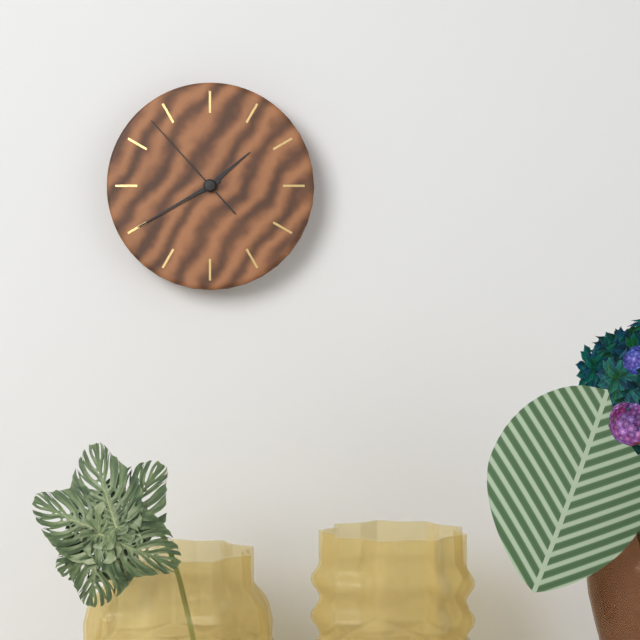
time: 1:40:53
